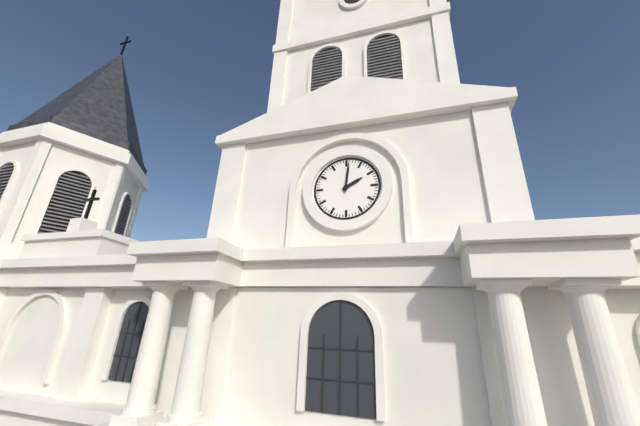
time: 2:01
